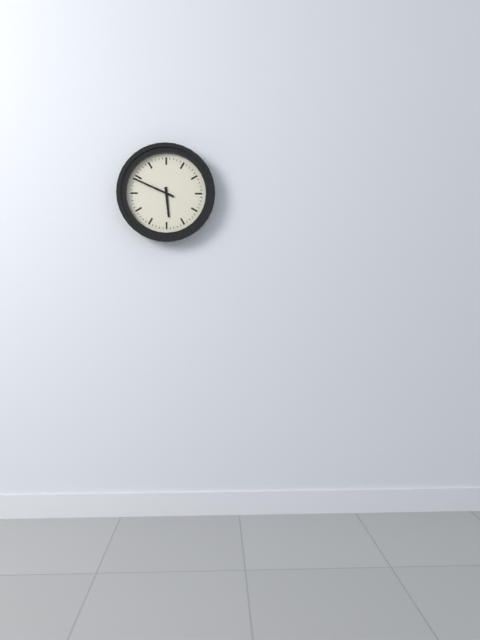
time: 5:49
